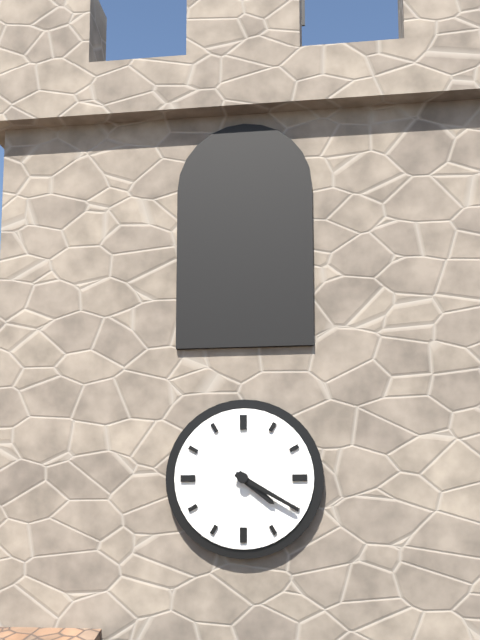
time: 4:20
